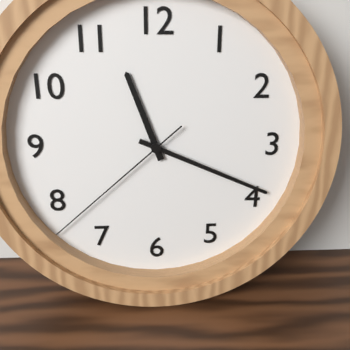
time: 11:19:38
